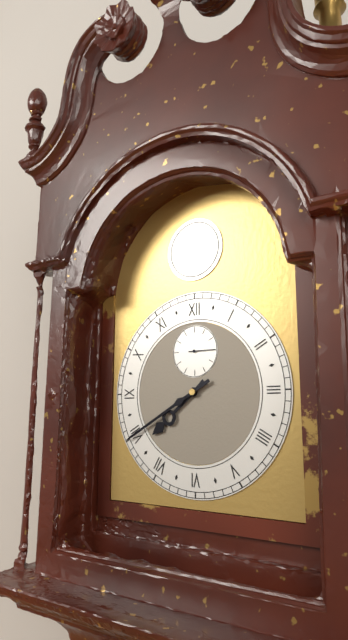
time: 7:40
